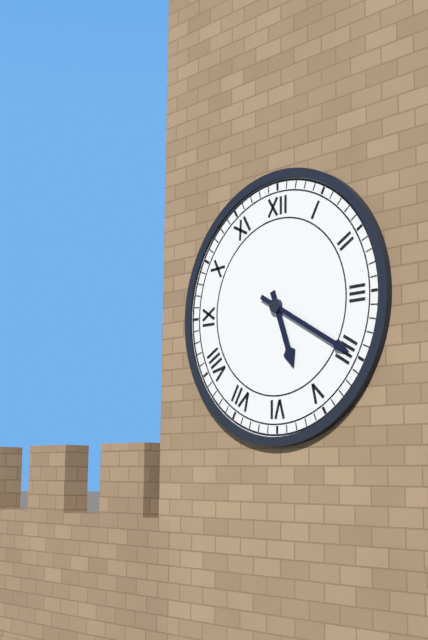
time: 5:20
